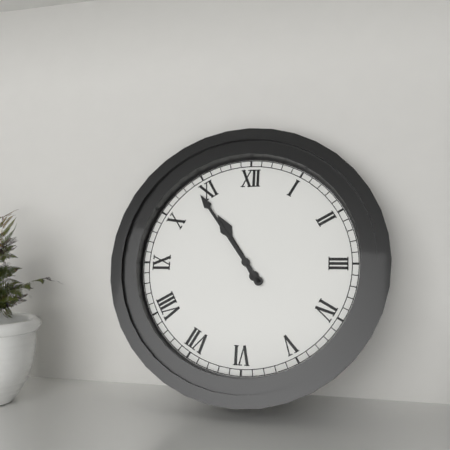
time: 10:54
